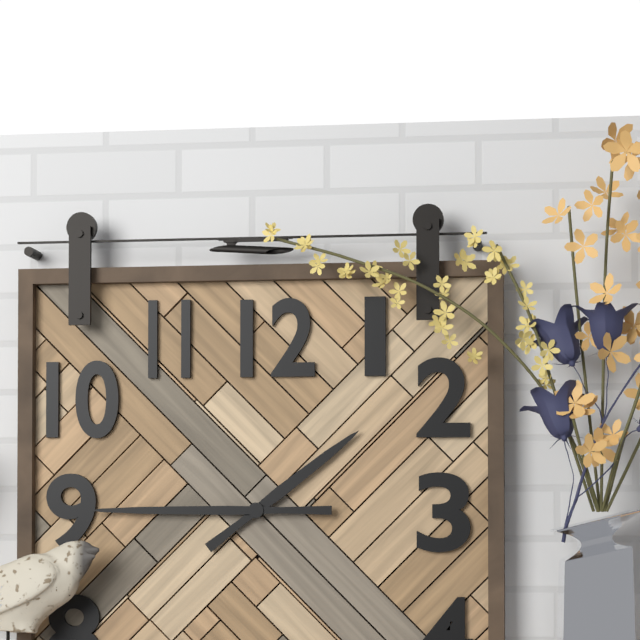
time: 1:45
